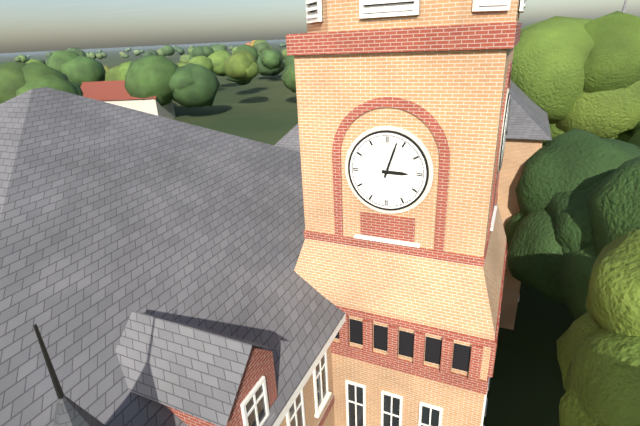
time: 3:03
